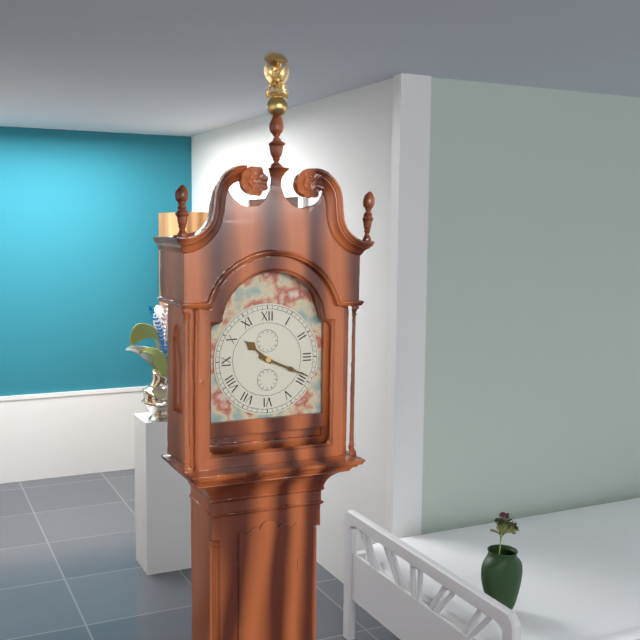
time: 10:19
